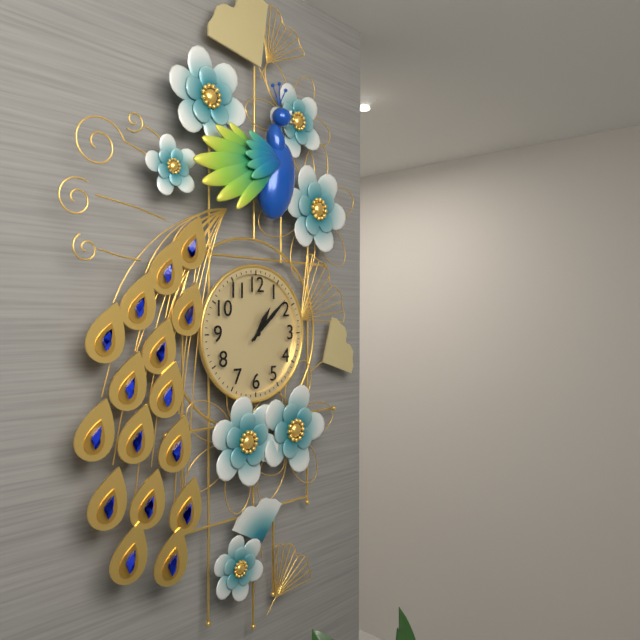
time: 1:08
